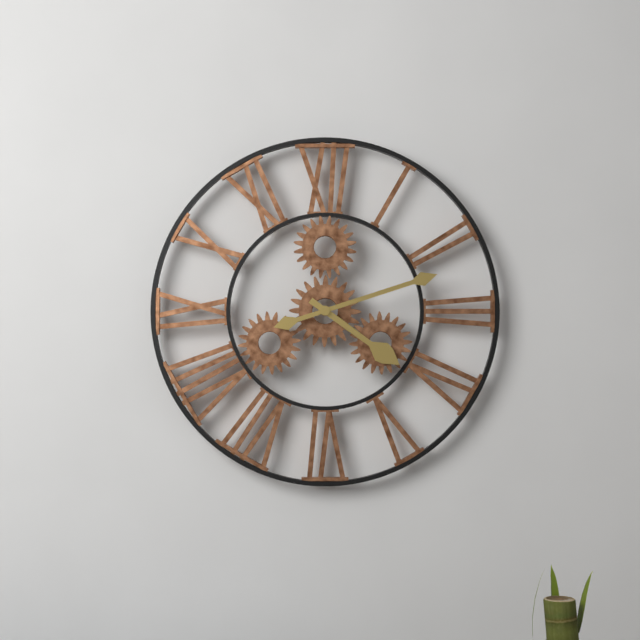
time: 4:12
